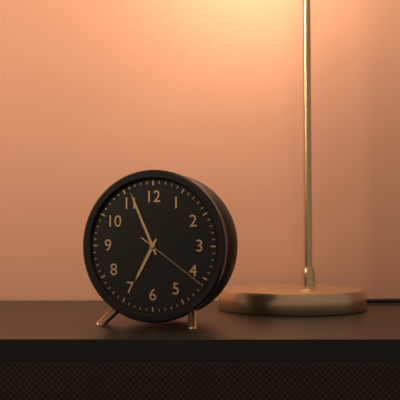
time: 6:56:21
